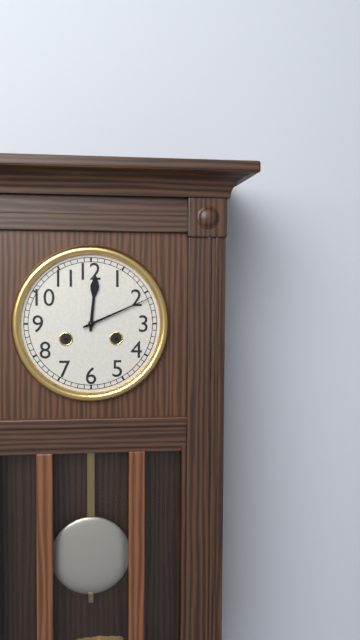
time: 12:11
